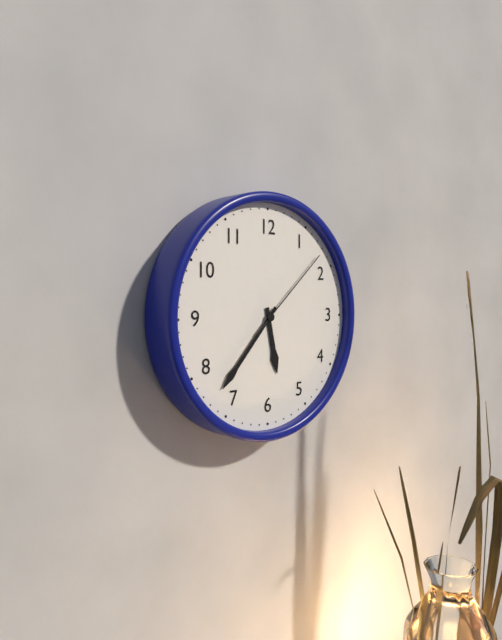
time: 5:37:08
